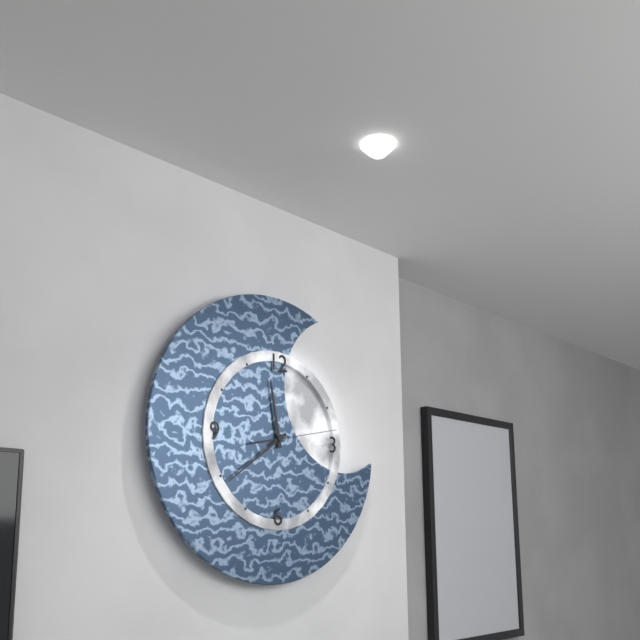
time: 11:39:13
